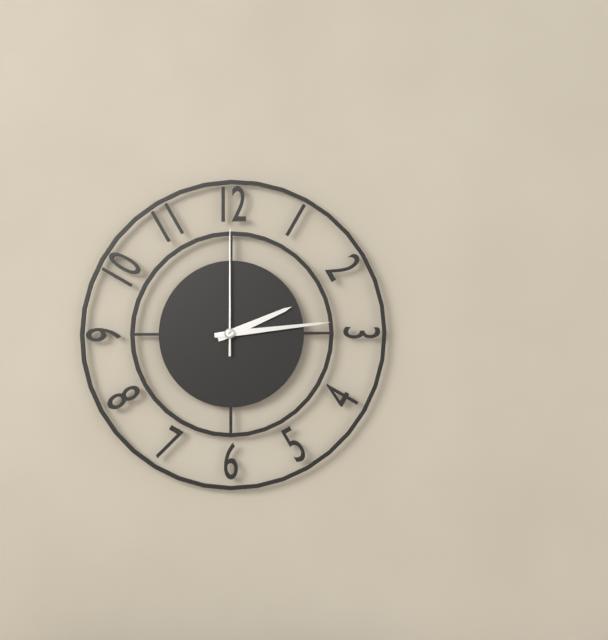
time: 2:14:00
